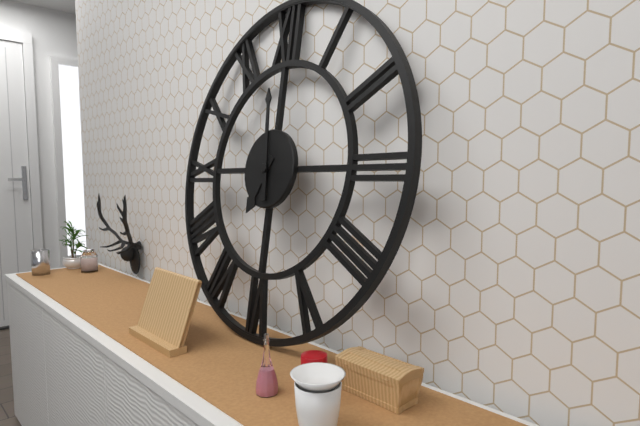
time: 6:59
